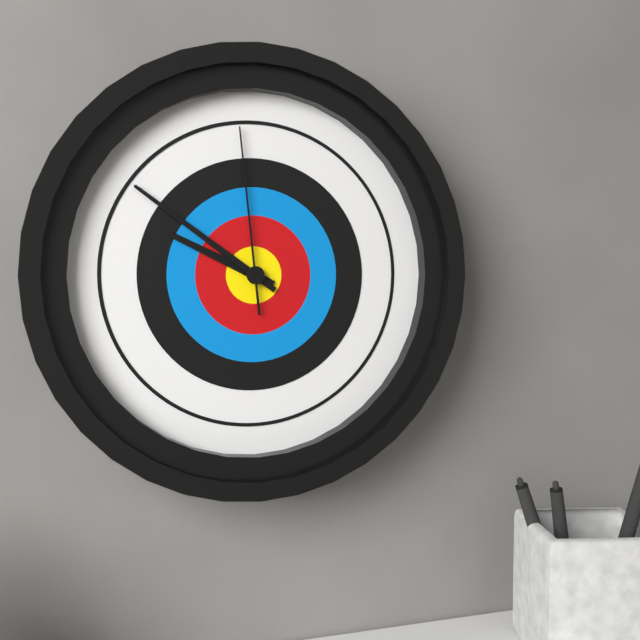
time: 9:51:59
